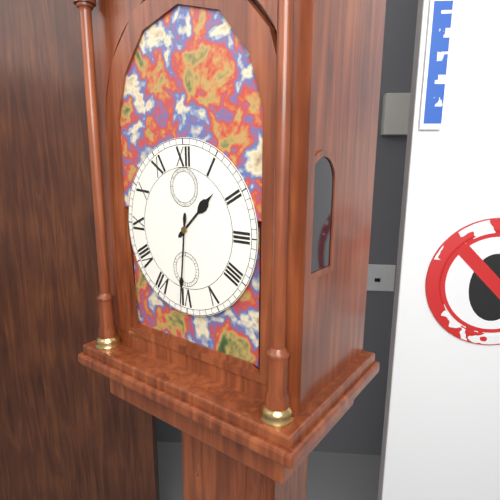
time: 1:31
